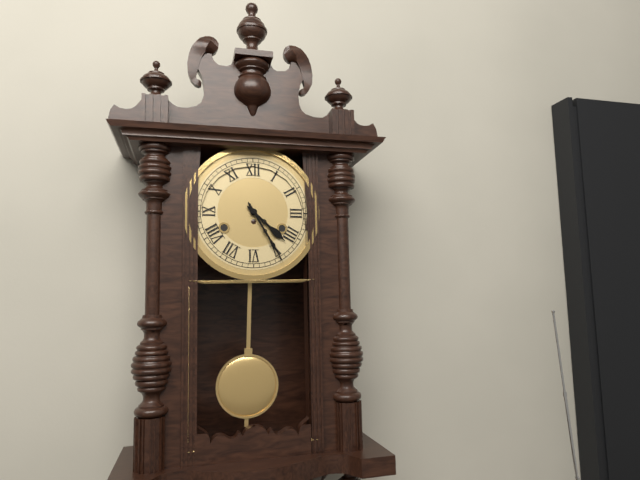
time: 4:25
